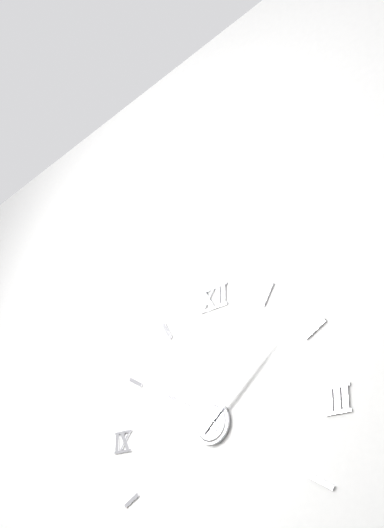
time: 10:08
